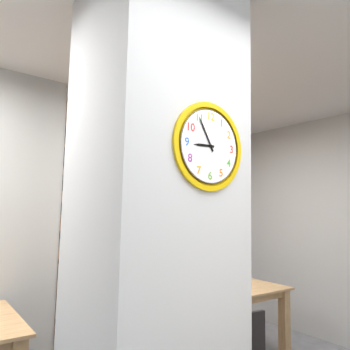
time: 8:55
